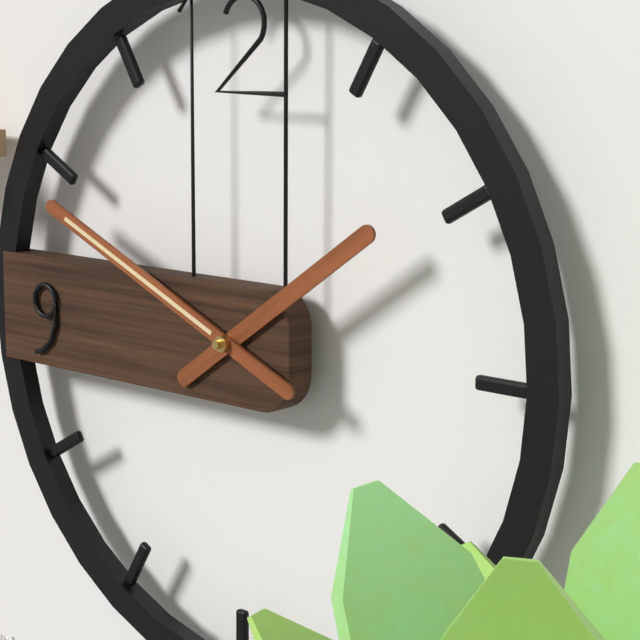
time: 1:49
